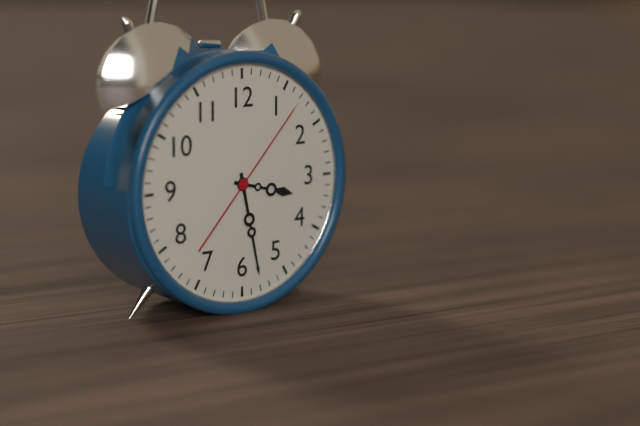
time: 3:28:07
